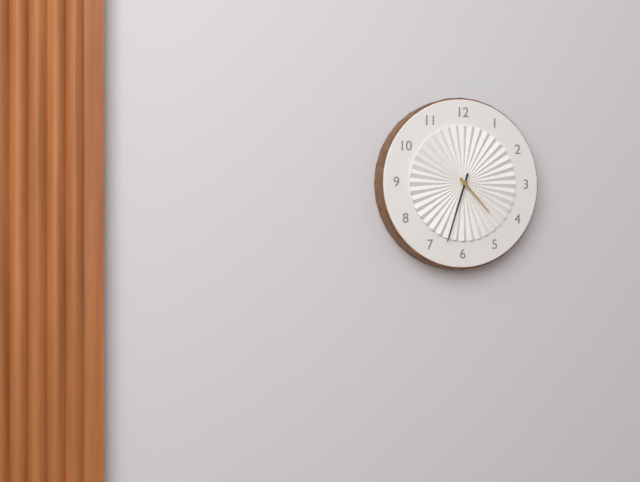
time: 4:33
